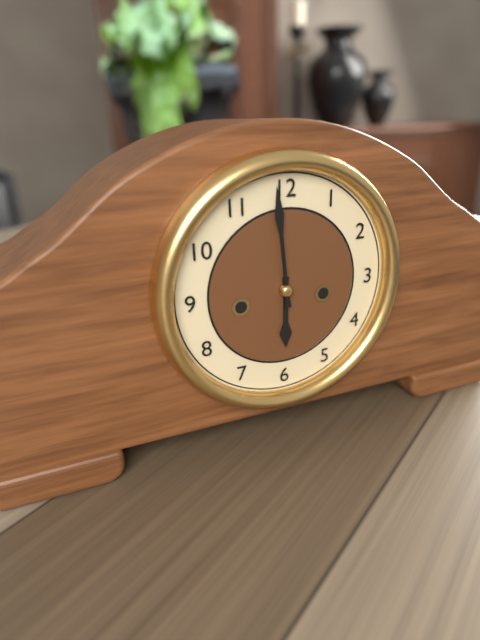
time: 5:59
